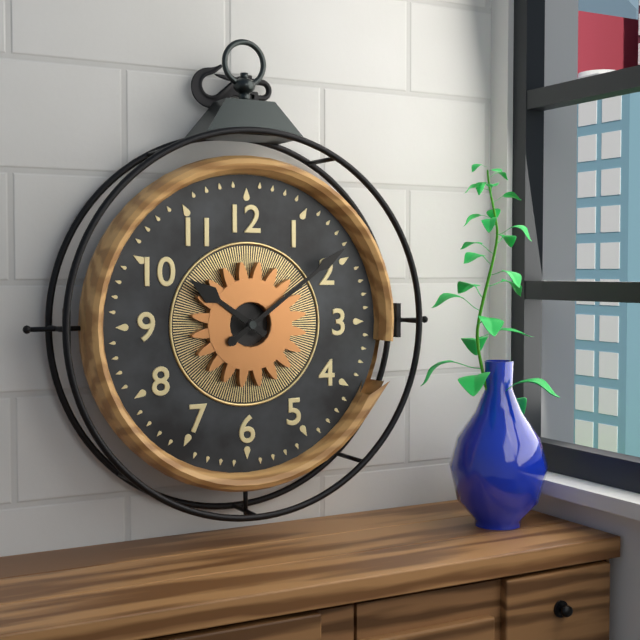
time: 10:09
